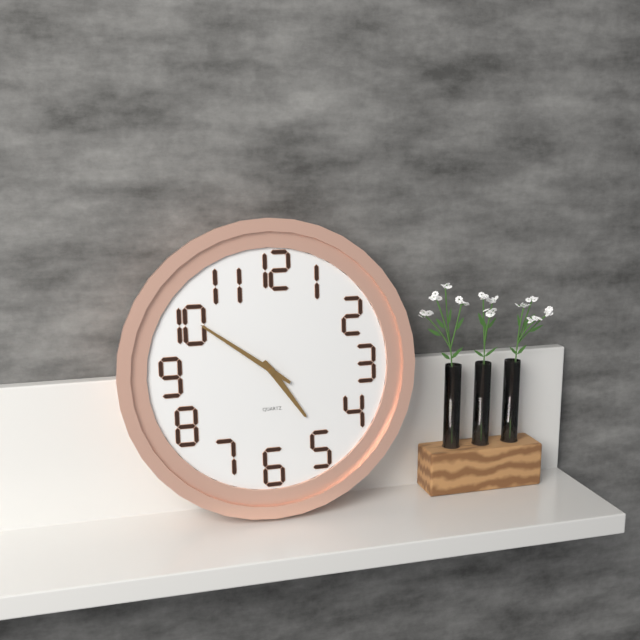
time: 4:51
